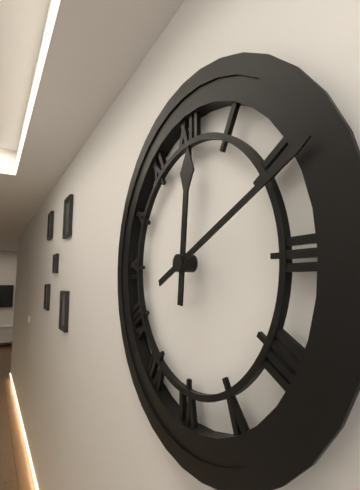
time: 12:11
